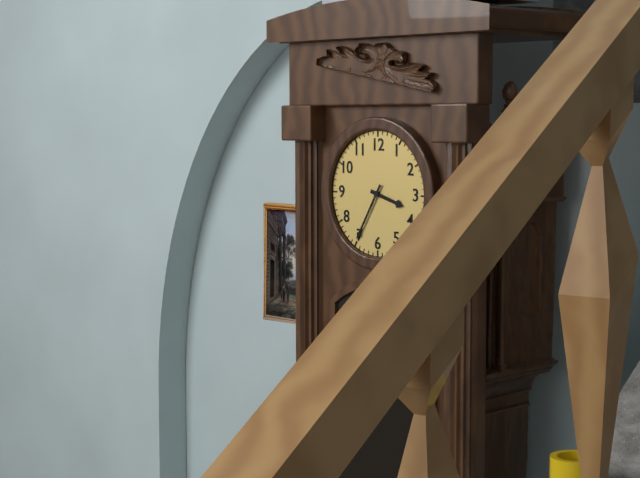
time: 3:35
